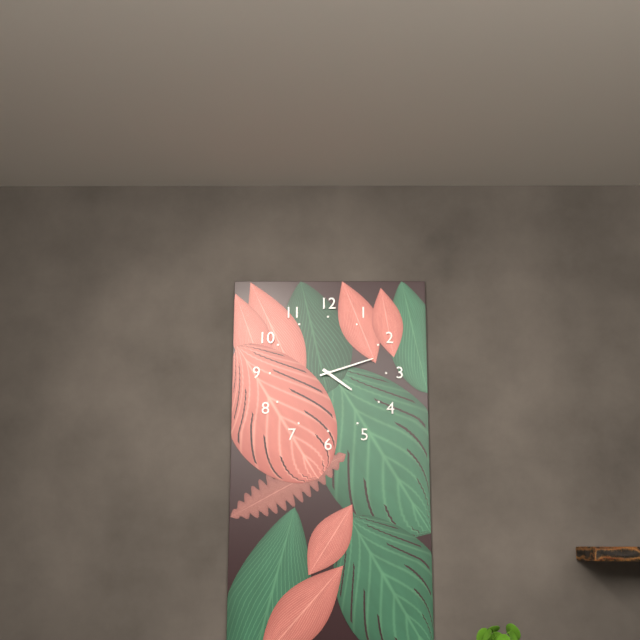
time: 4:12
